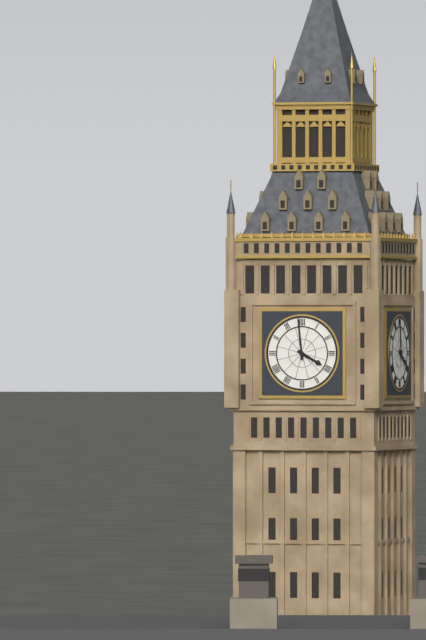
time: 3:59
